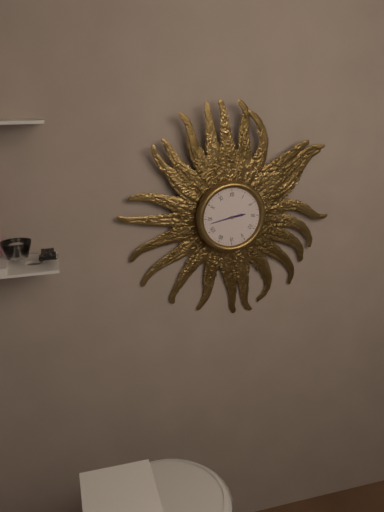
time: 2:43
